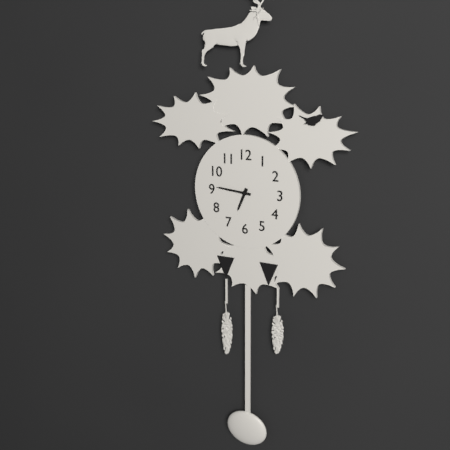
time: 6:46
